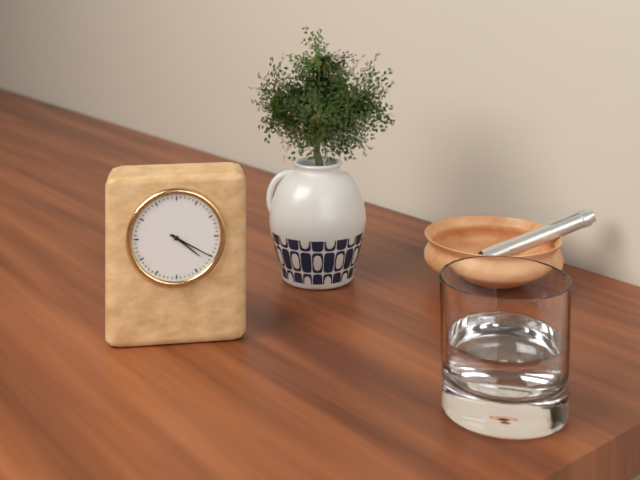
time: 4:20
